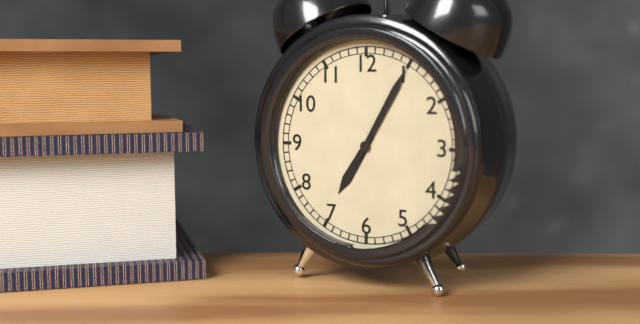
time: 7:05
